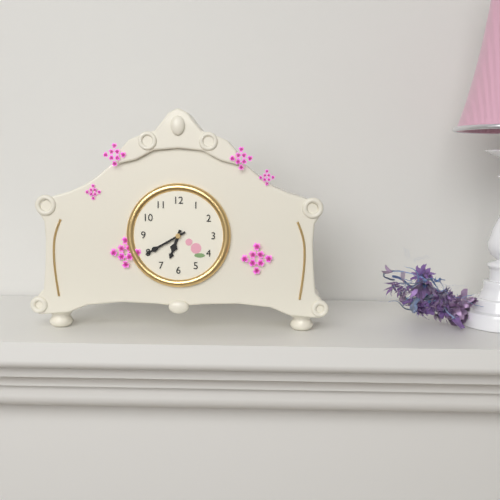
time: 6:40
